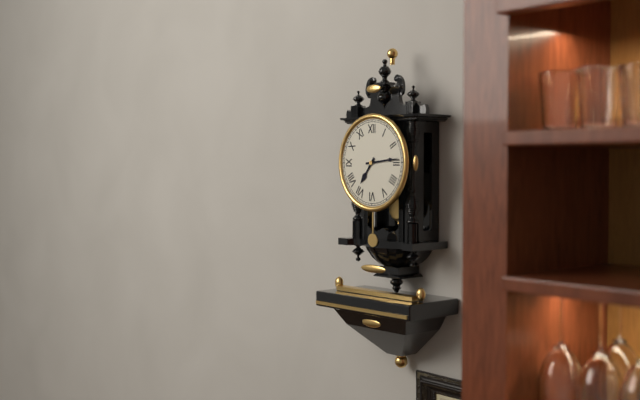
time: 7:14
